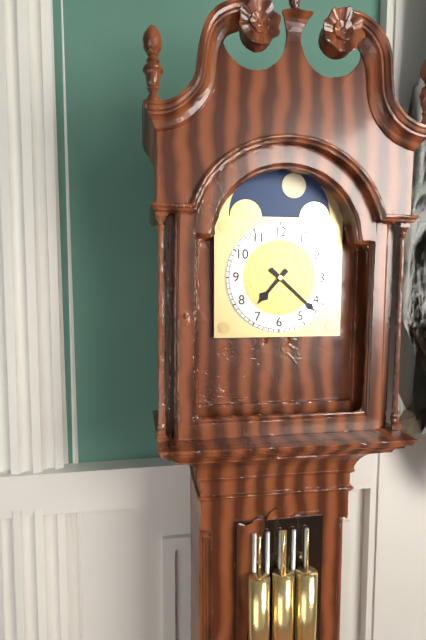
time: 7:22
